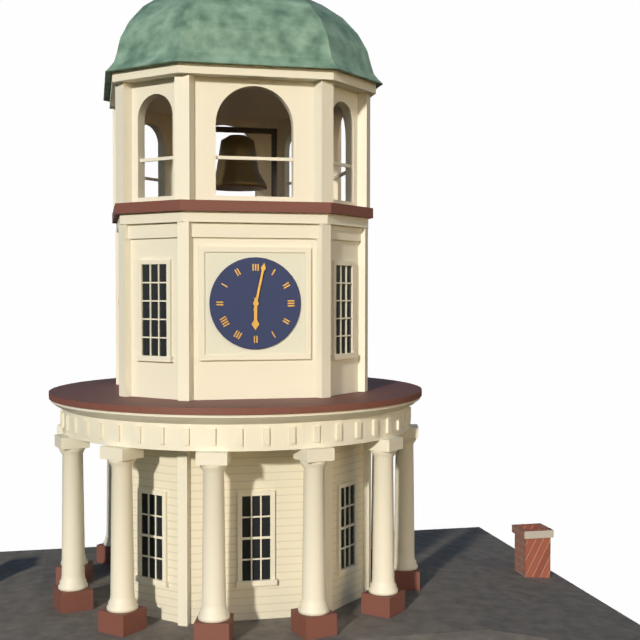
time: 6:02
